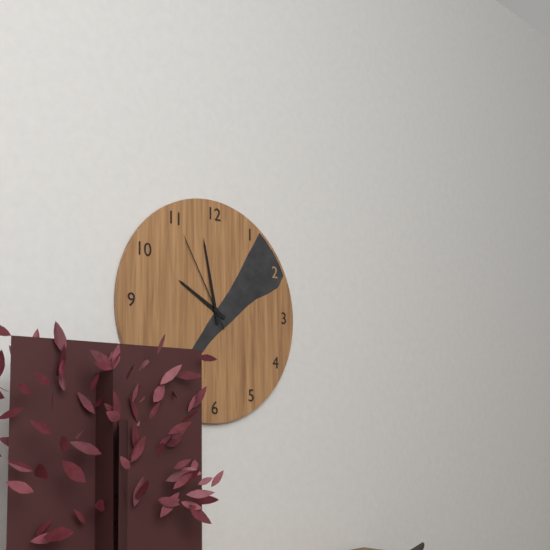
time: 9:58:55
